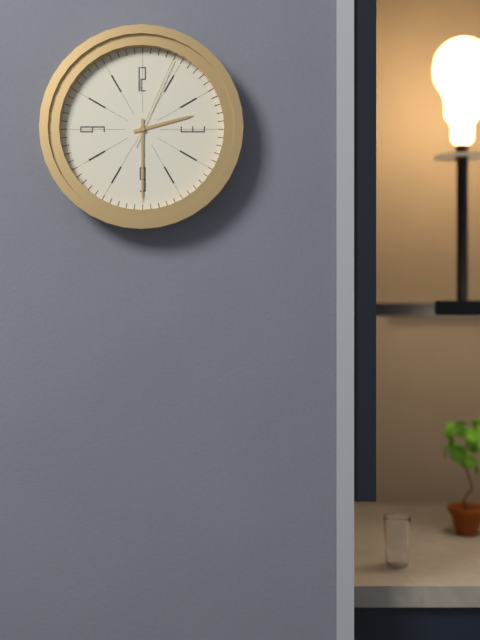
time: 2:30:04
